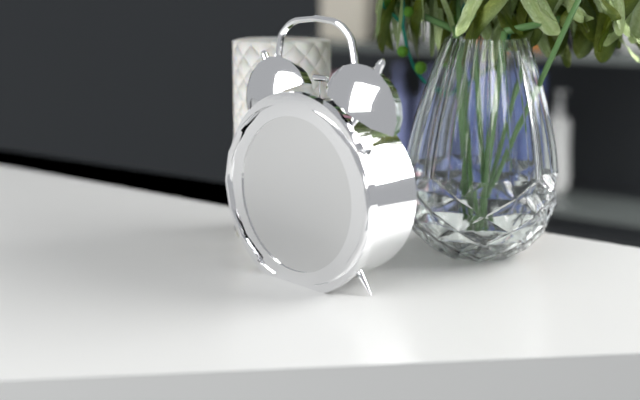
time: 6:30:19
